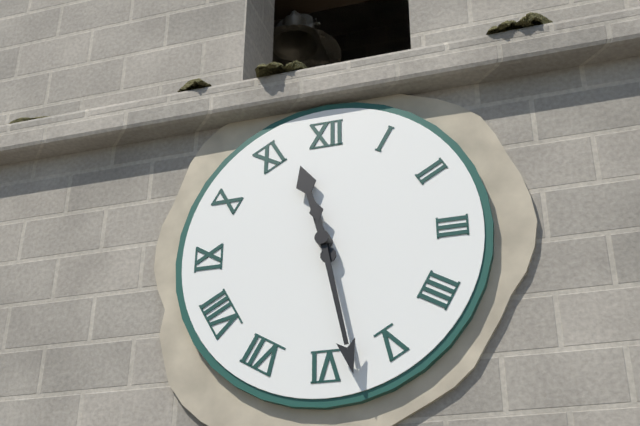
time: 11:28
